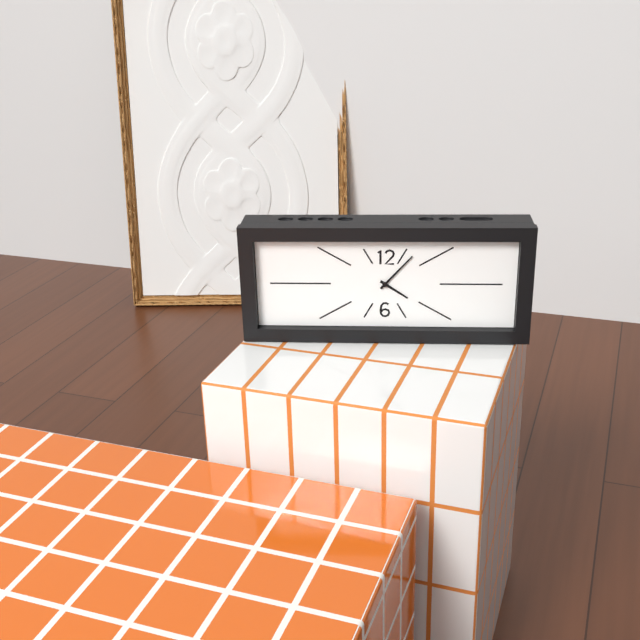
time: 4:07
